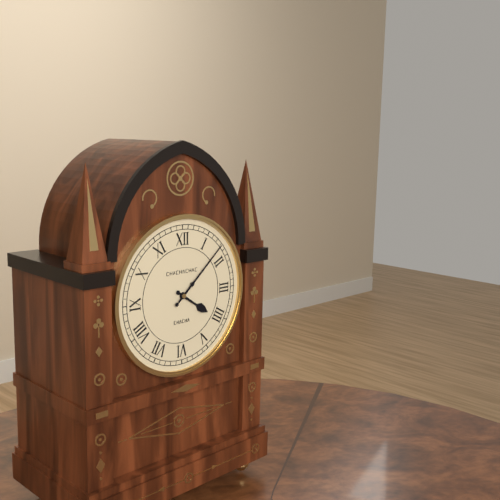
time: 4:08
